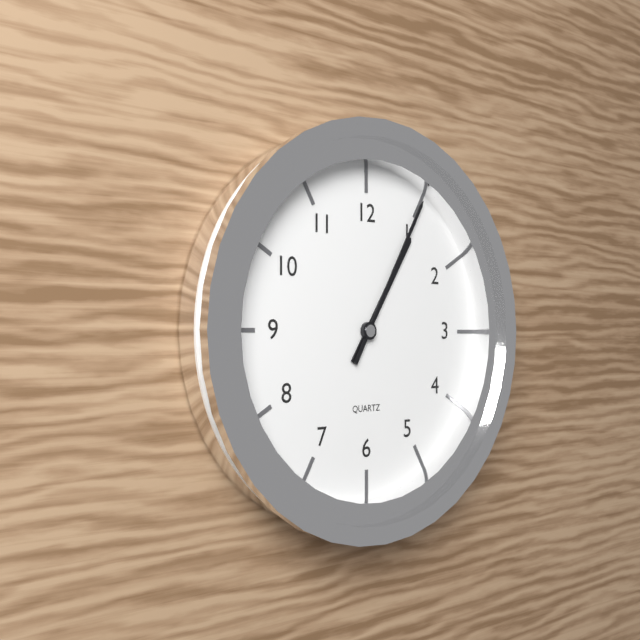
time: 1:05
